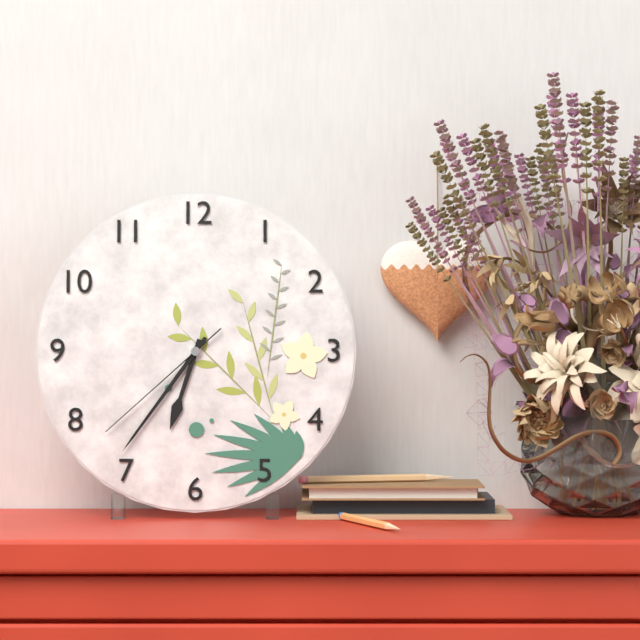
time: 6:36:38
